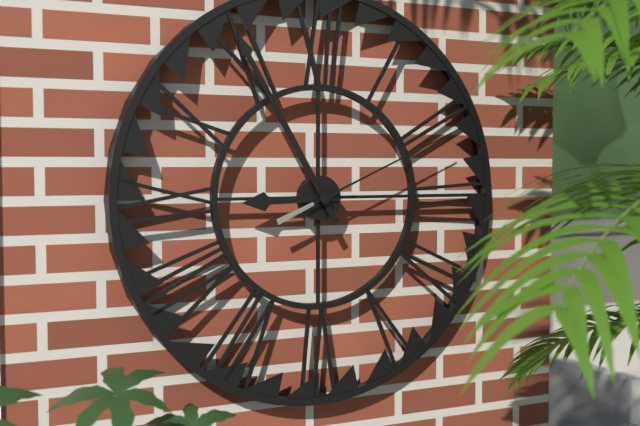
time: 8:55:11
